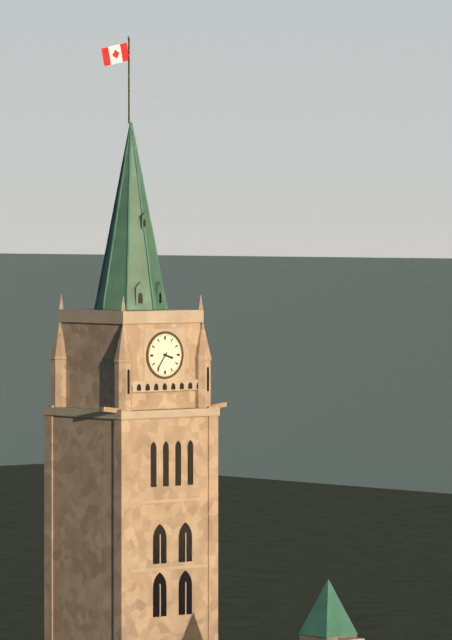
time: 3:36
